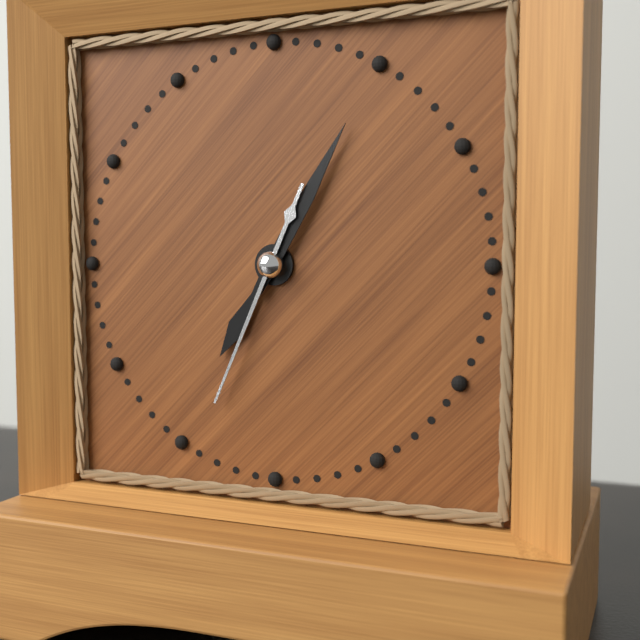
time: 7:05:34
